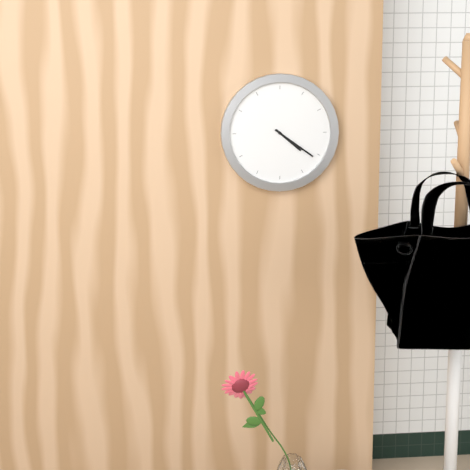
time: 4:21
